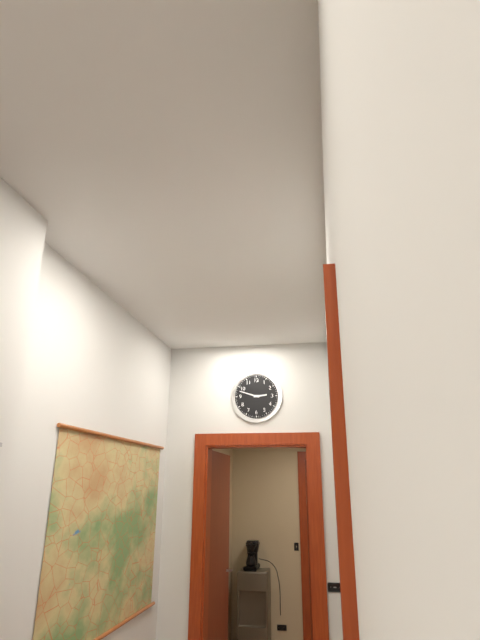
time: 2:48
